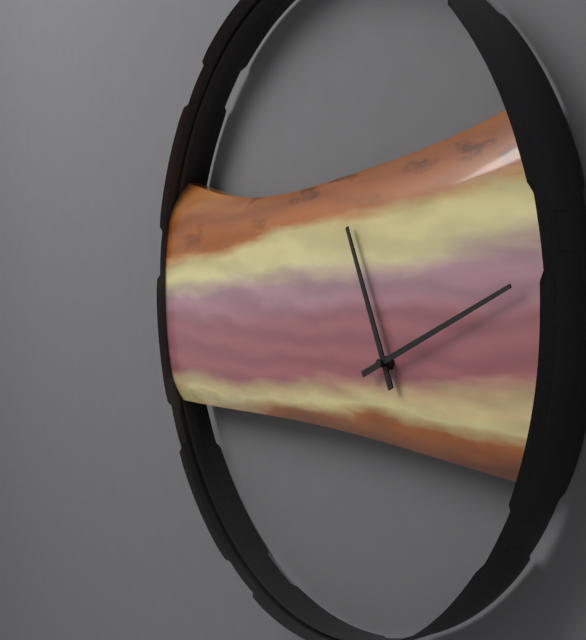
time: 11:11
